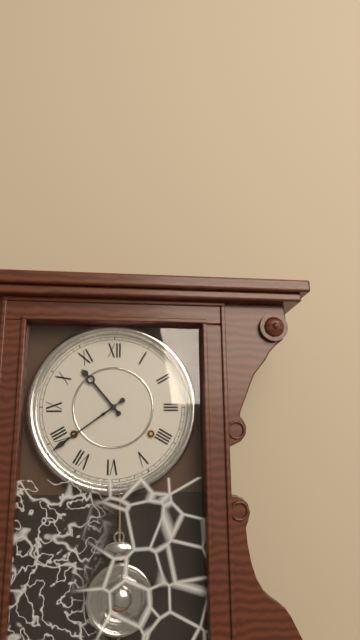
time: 10:39
